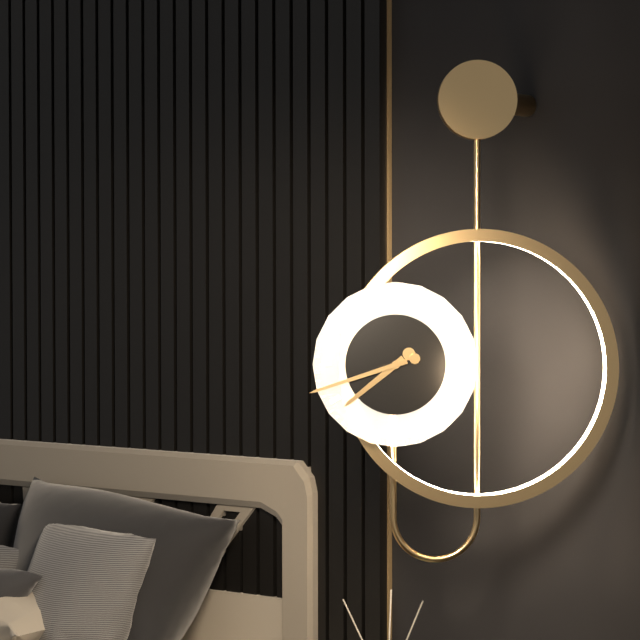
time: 7:42
